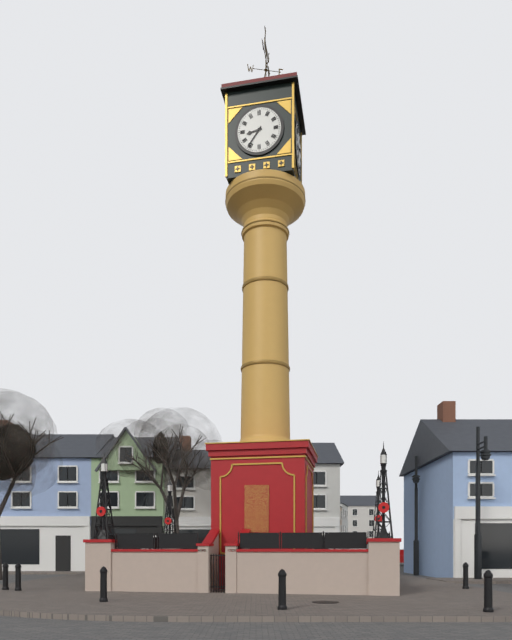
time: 8:36
